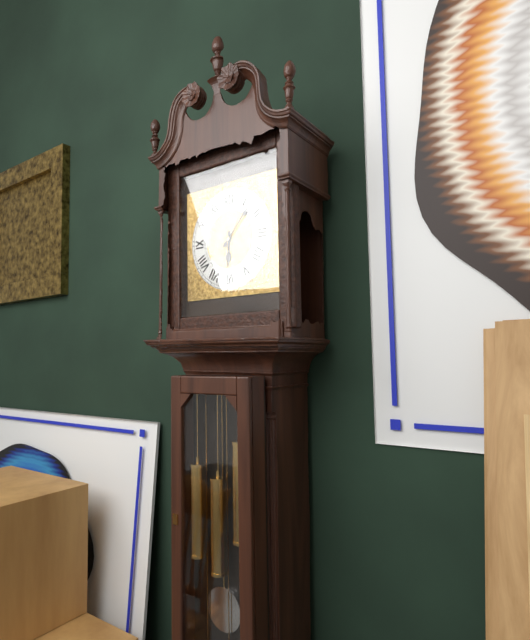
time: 6:07
